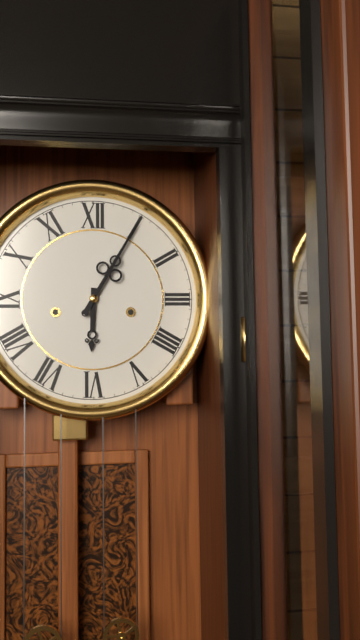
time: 6:05
